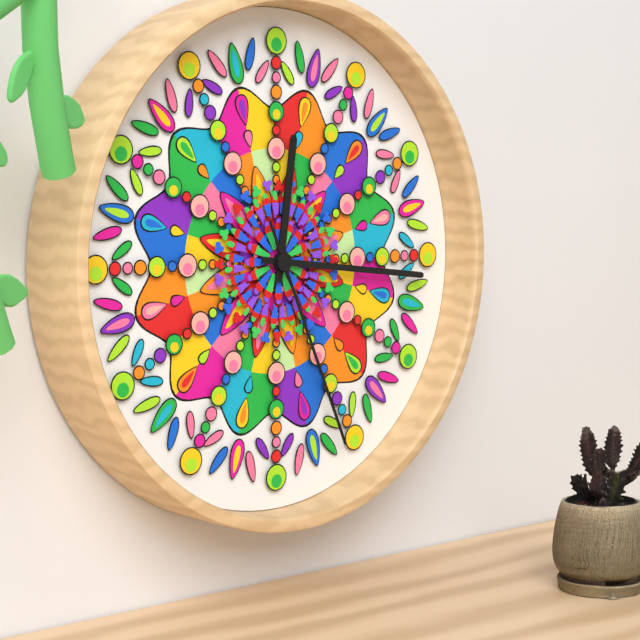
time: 12:16:26
